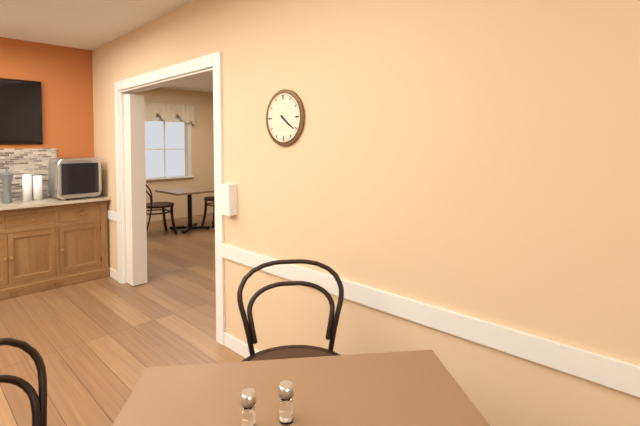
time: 4:21
